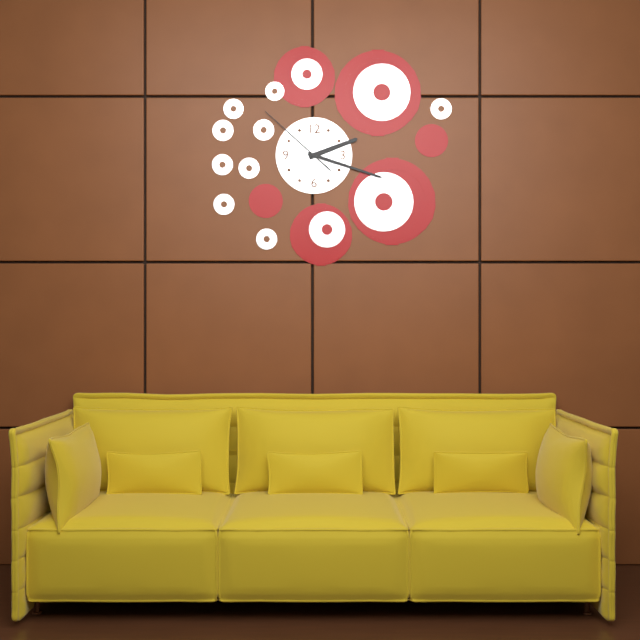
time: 2:18:52
